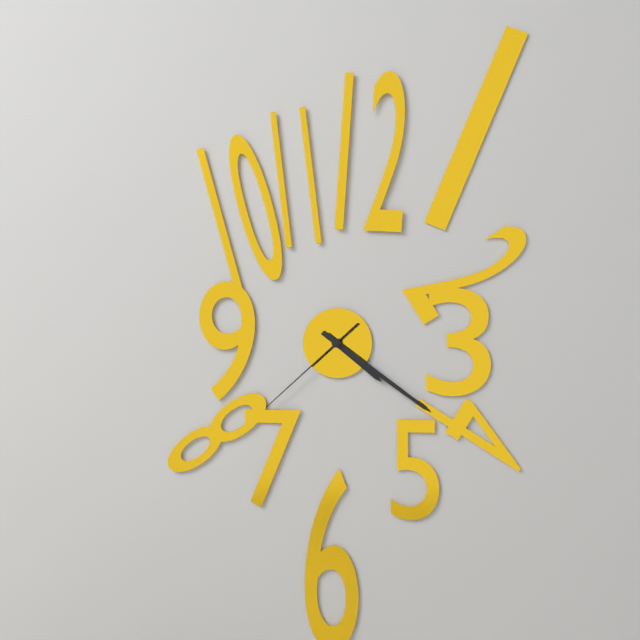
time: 4:21:38
